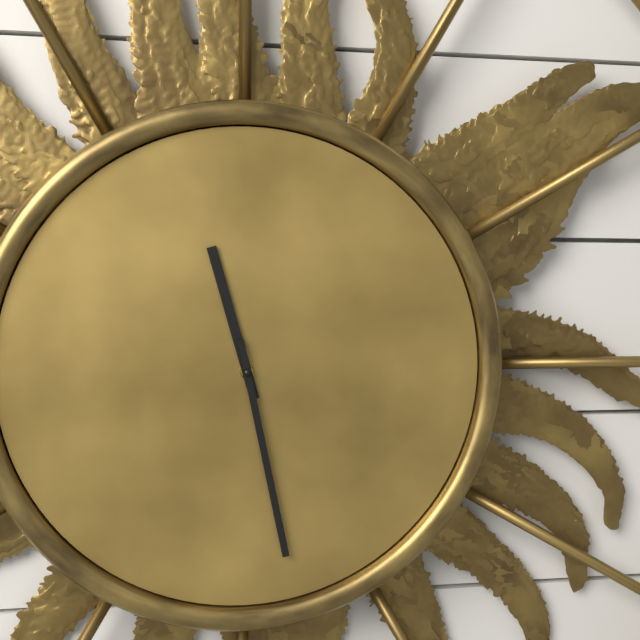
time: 11:28
